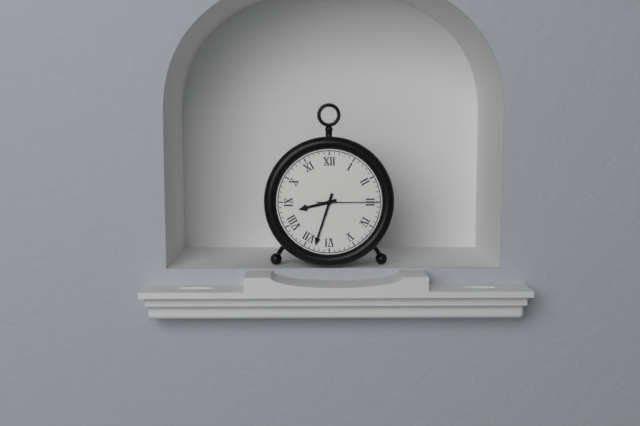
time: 8:33:15
